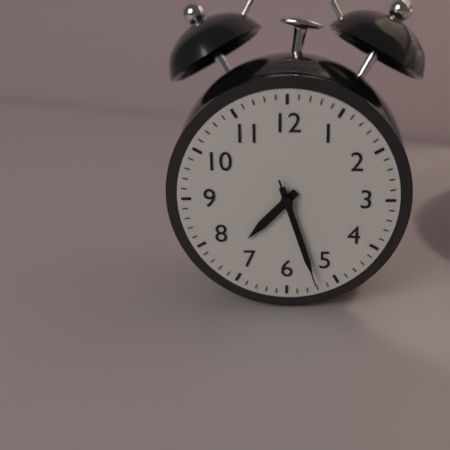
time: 7:27:27
